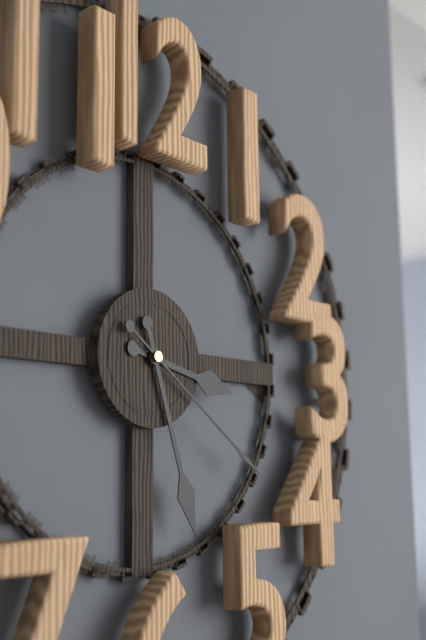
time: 3:27:21
